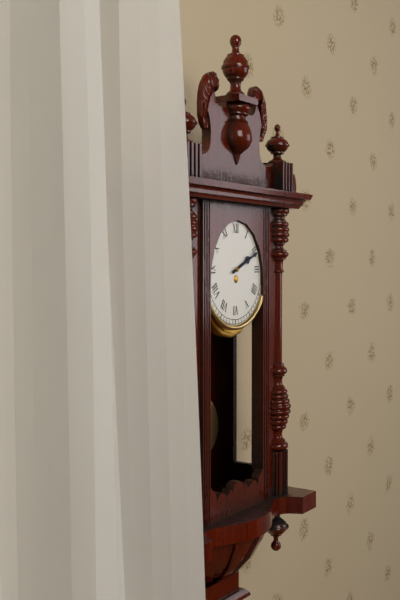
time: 2:11
